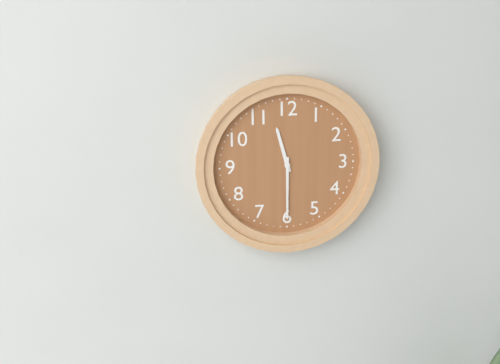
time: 11:30
